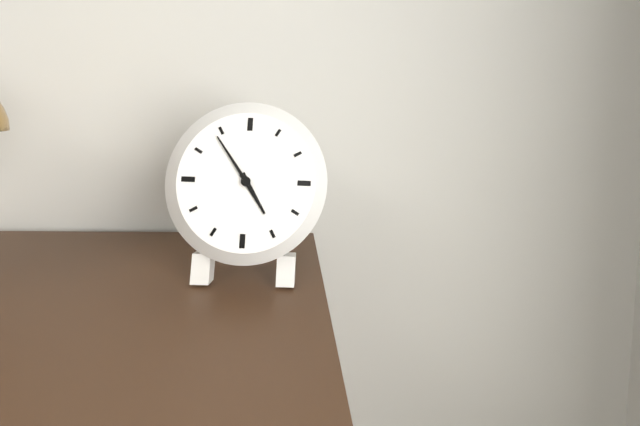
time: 4:54
